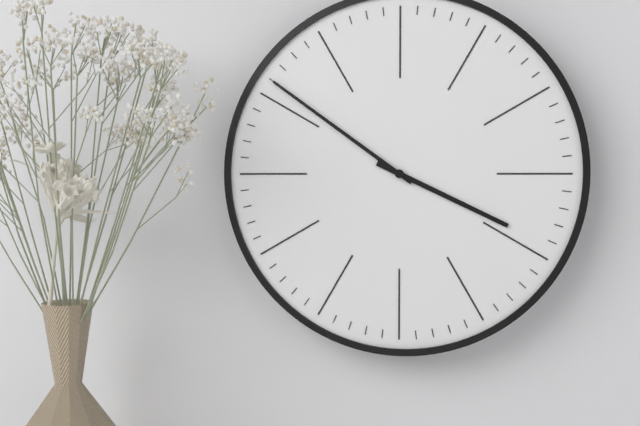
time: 3:51
